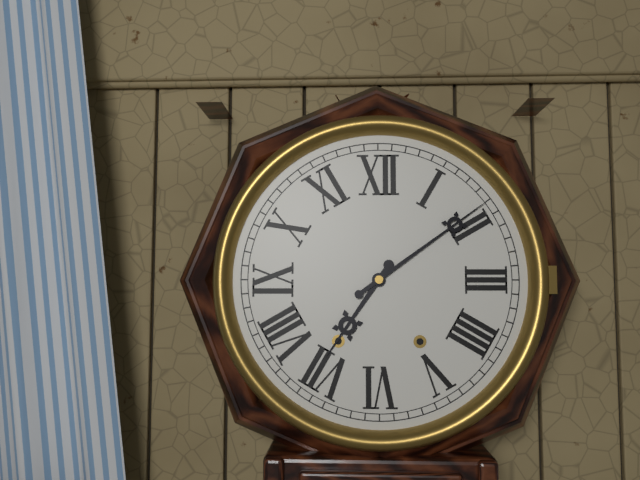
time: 7:09
